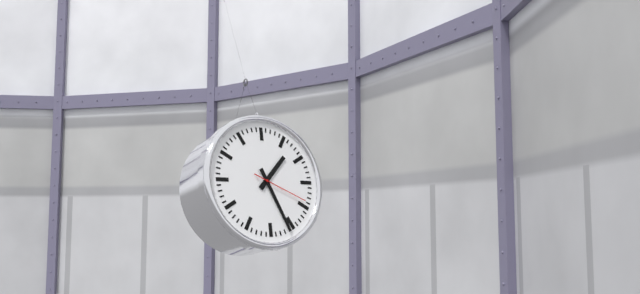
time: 1:26:19
